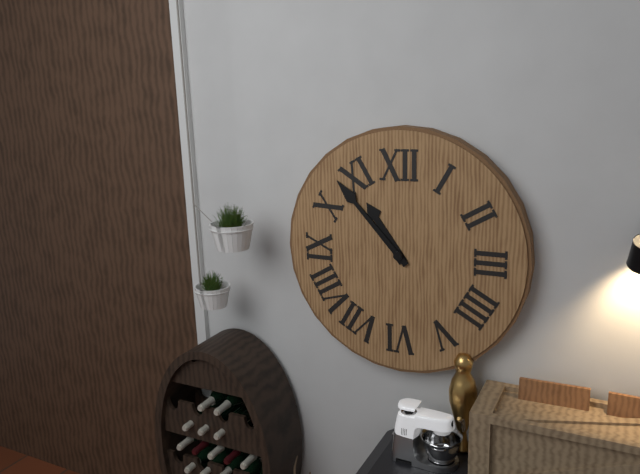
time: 10:53
